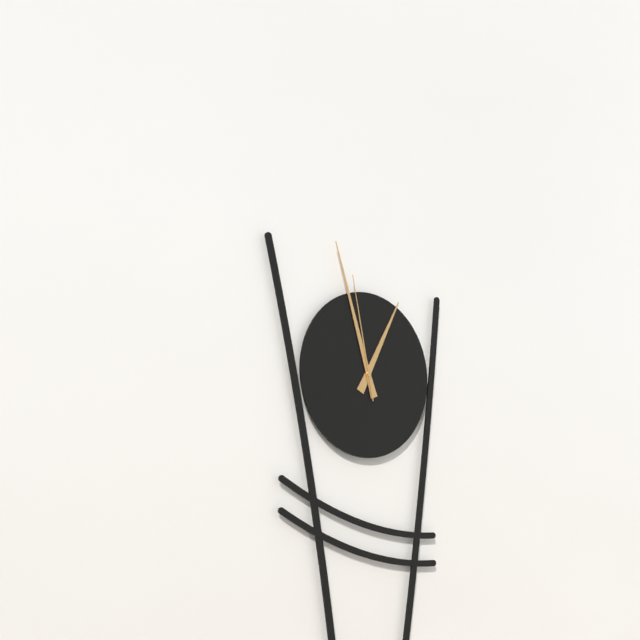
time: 12:57:58
